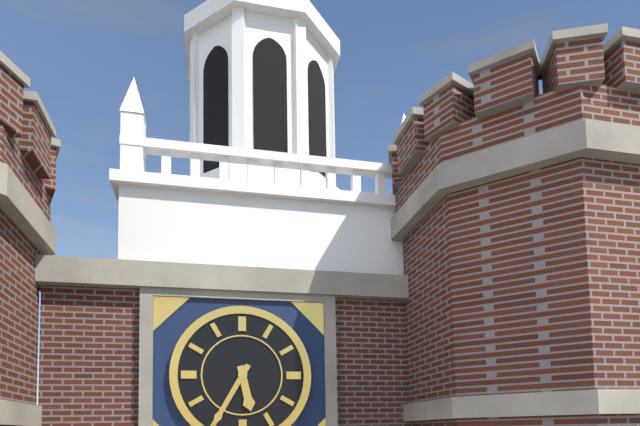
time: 5:35
